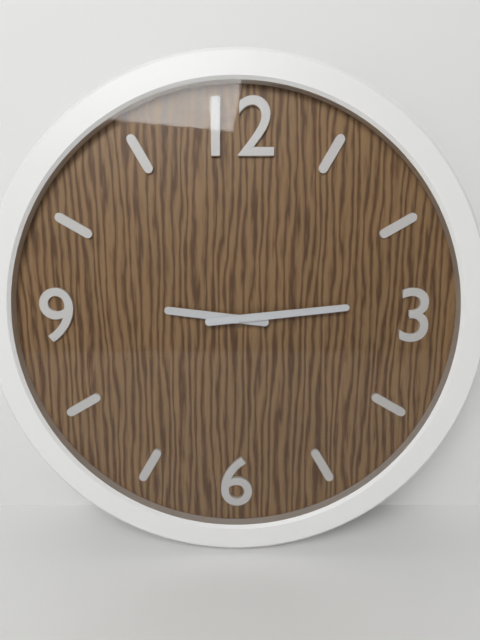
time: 9:14
